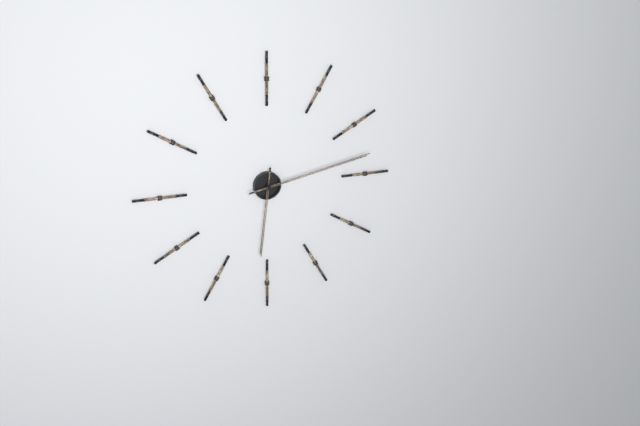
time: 6:13
